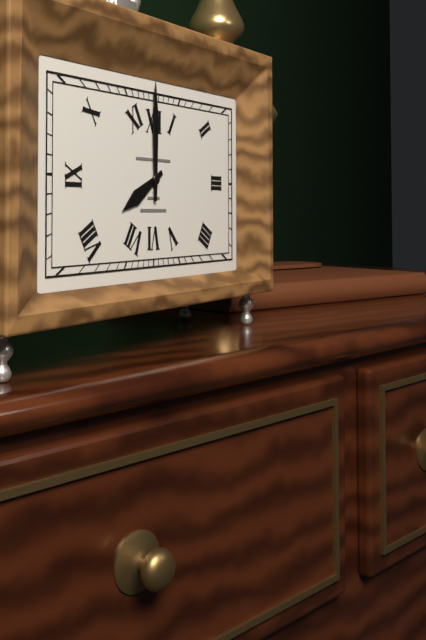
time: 8:00
